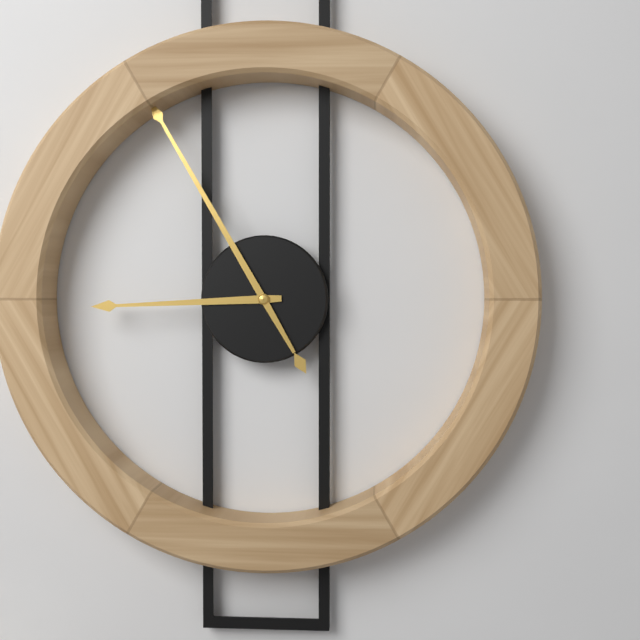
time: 8:55
